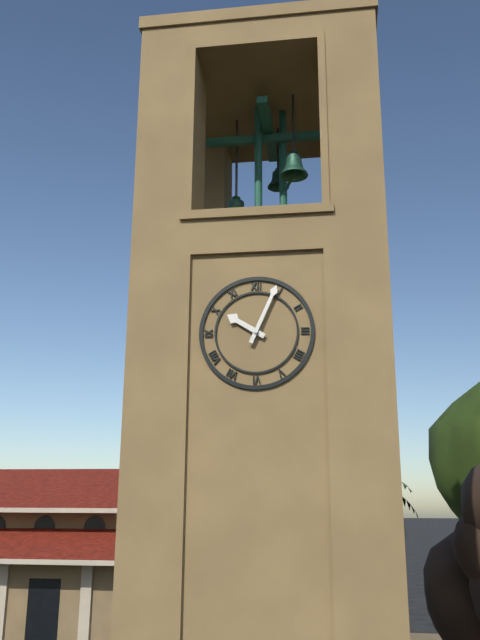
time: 10:04
